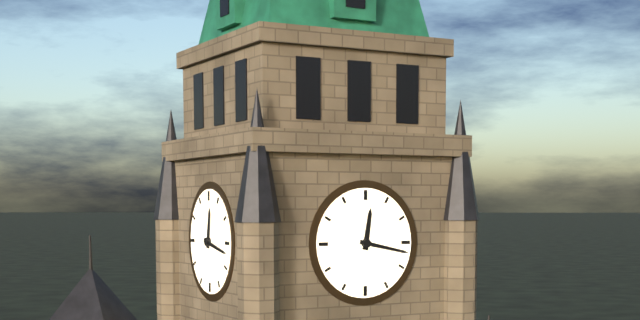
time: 12:17
